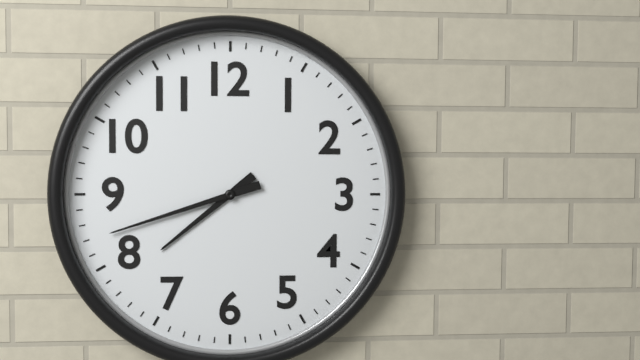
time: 7:42
